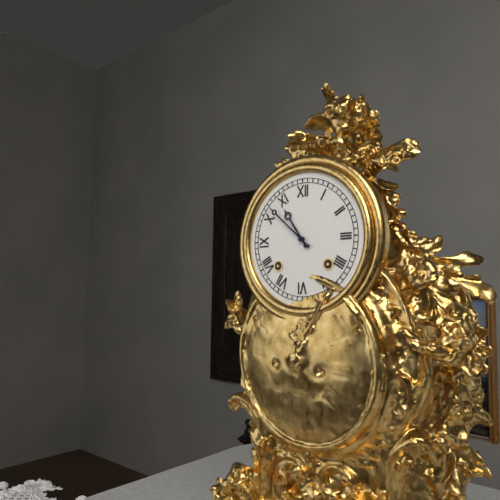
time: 10:52
